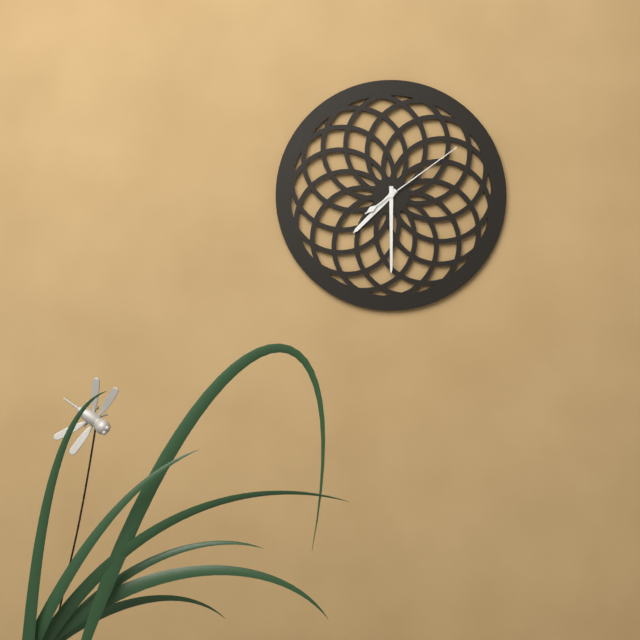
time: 7:30:09
